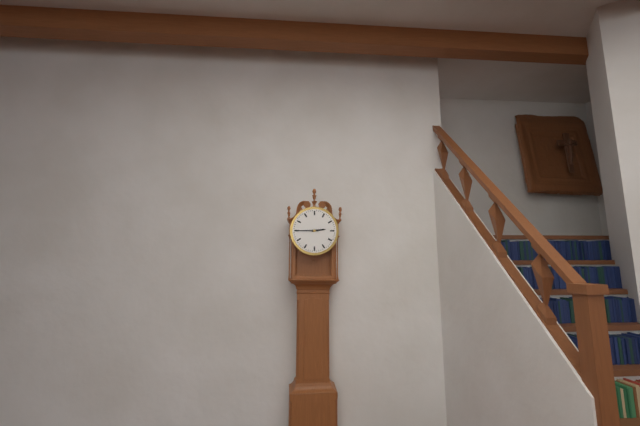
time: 2:45
